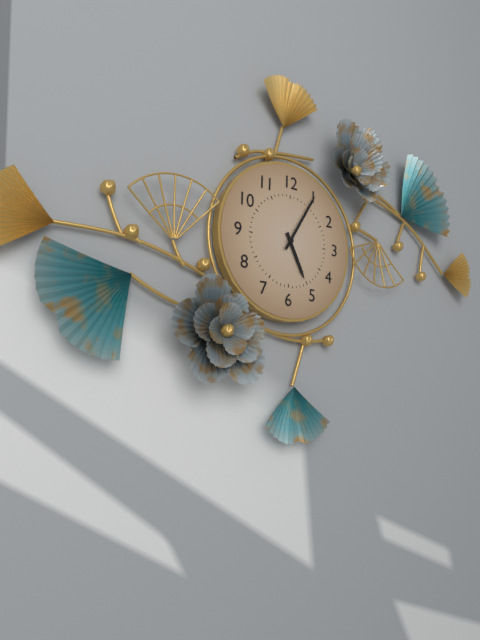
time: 5:05
